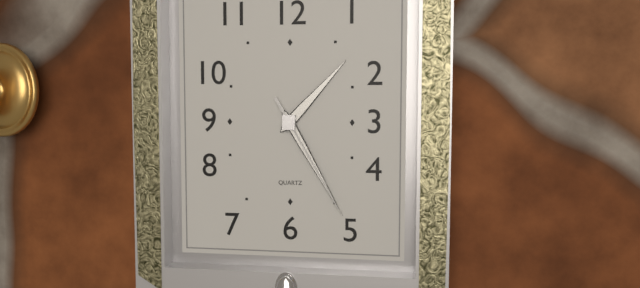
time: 1:25:25
